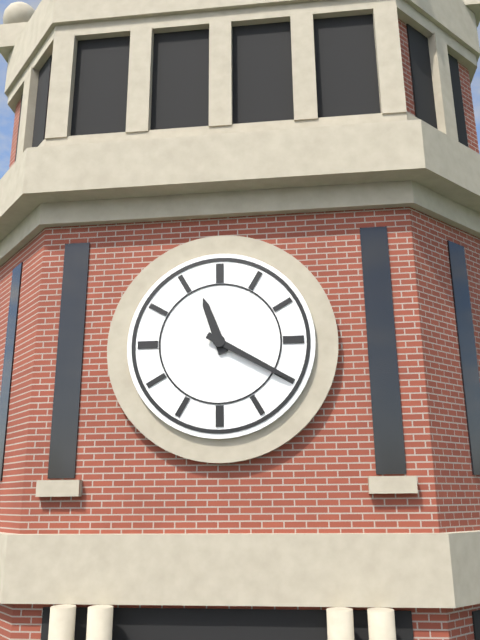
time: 11:20
